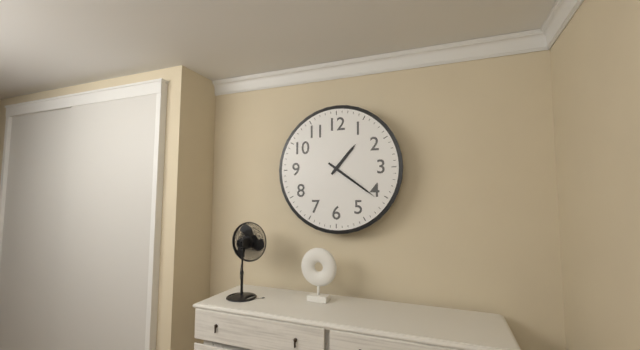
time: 1:21
